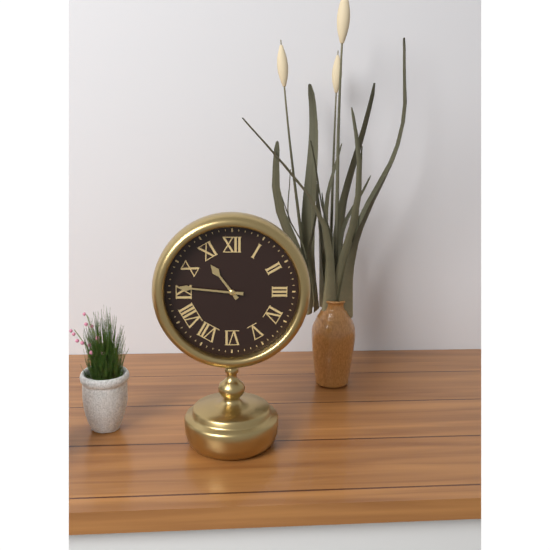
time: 10:46
